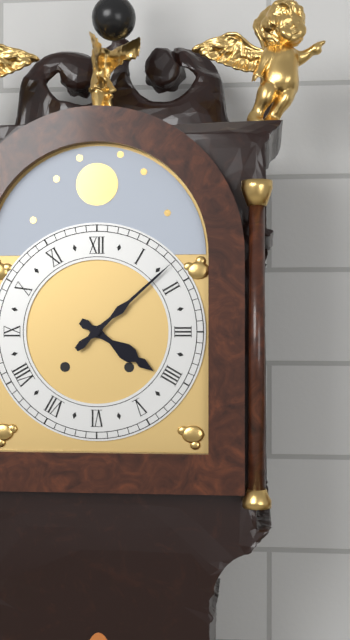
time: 4:08
